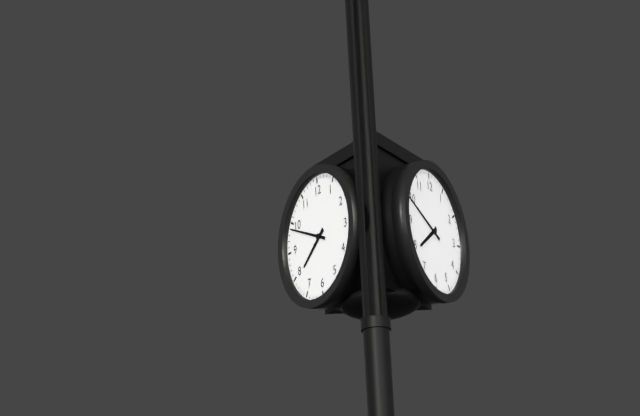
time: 7:49
